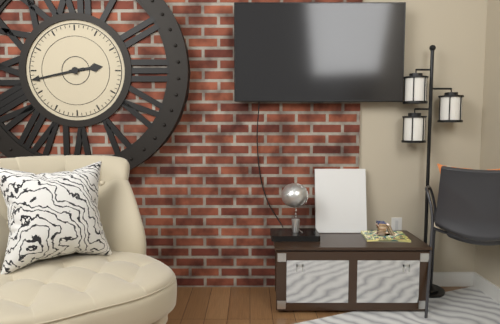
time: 2:43
